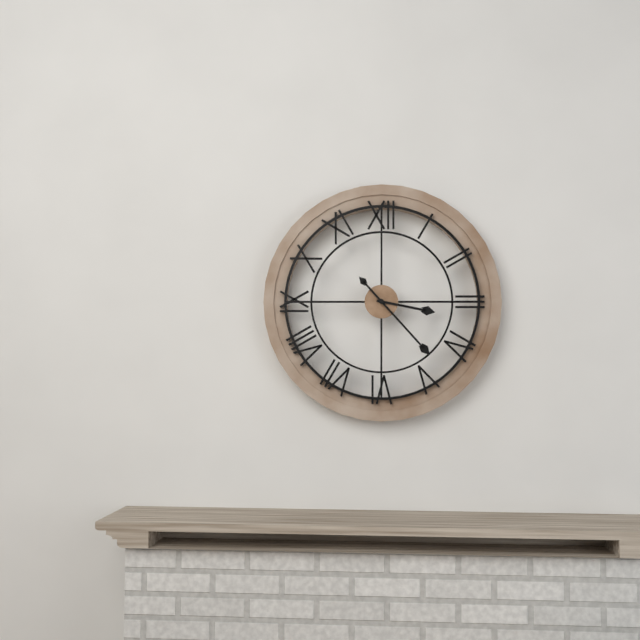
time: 3:23
